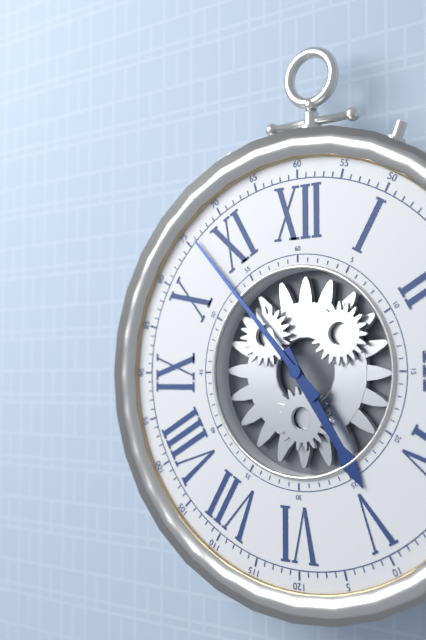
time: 4:53
